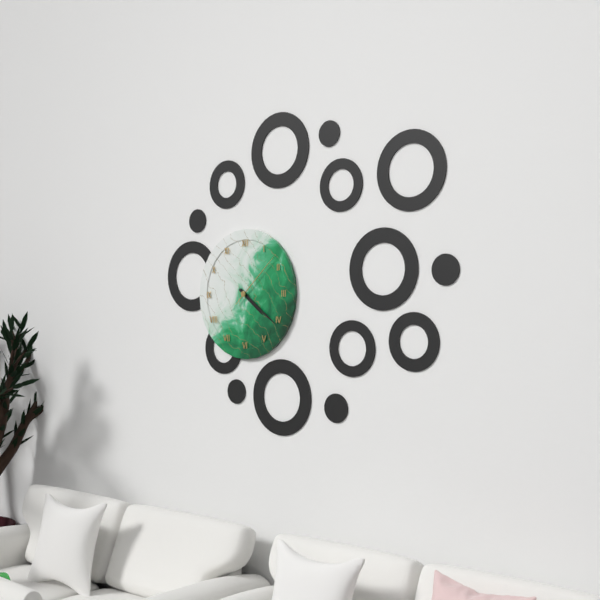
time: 4:21:08
